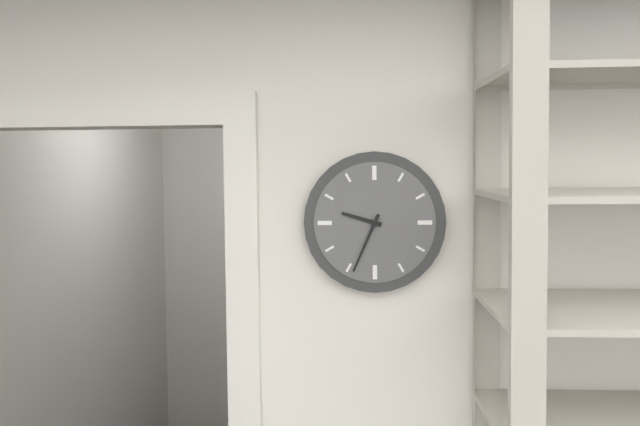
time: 9:34
